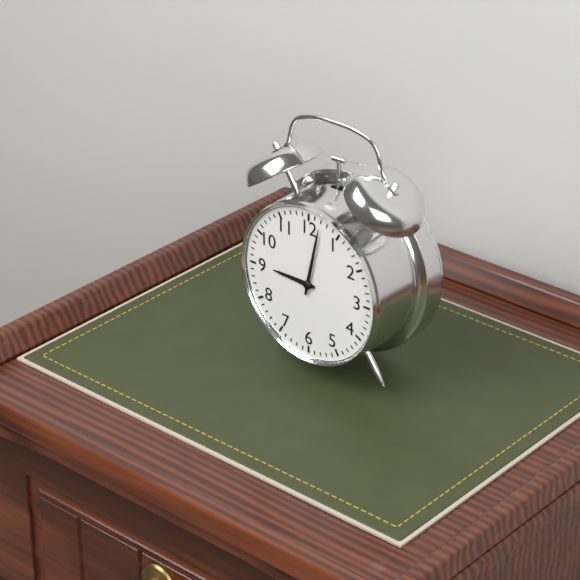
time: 9:02
